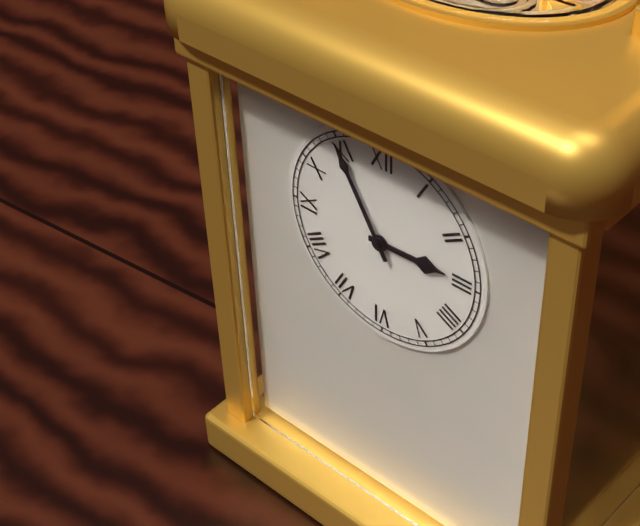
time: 2:55
